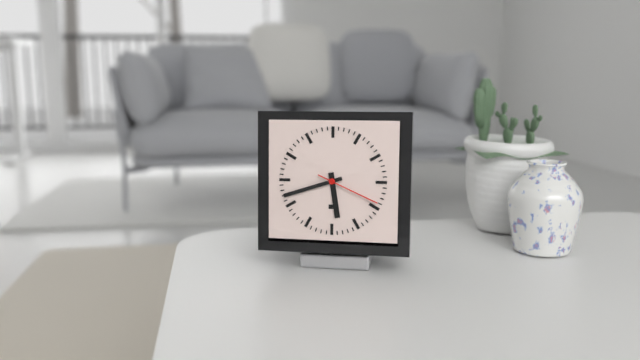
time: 5:42:19
